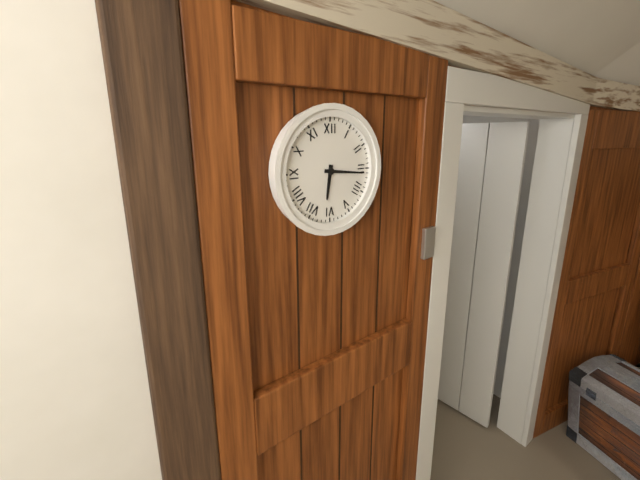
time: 6:16
